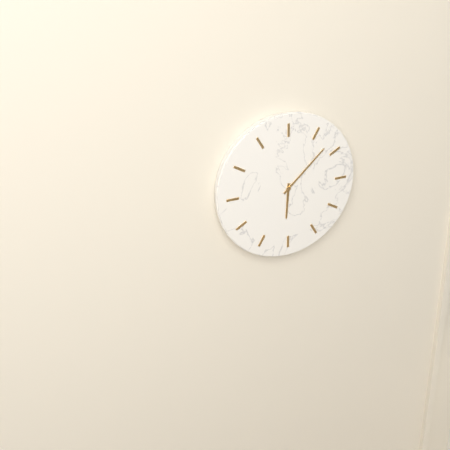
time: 6:08
